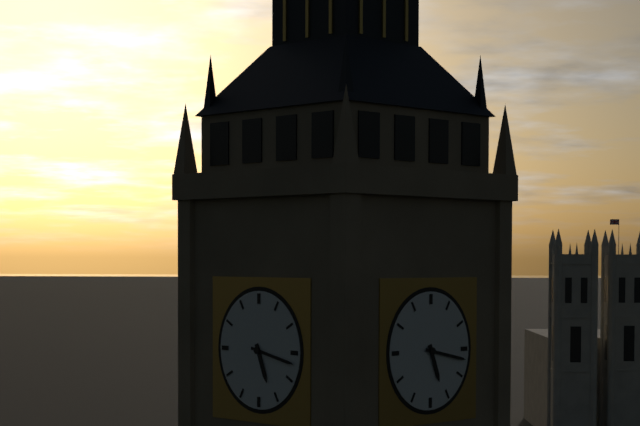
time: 5:17
